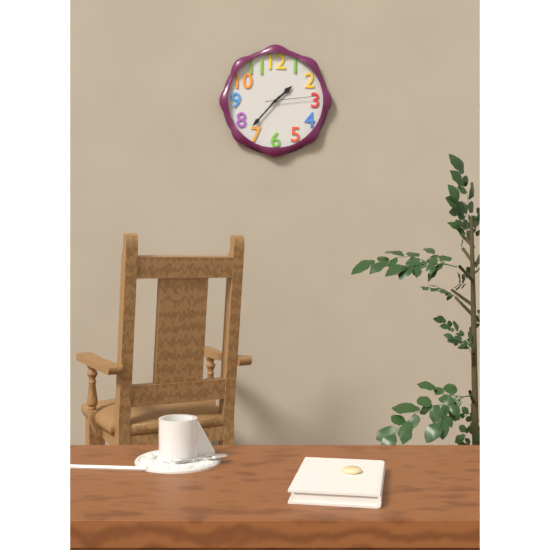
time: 1:37:14
